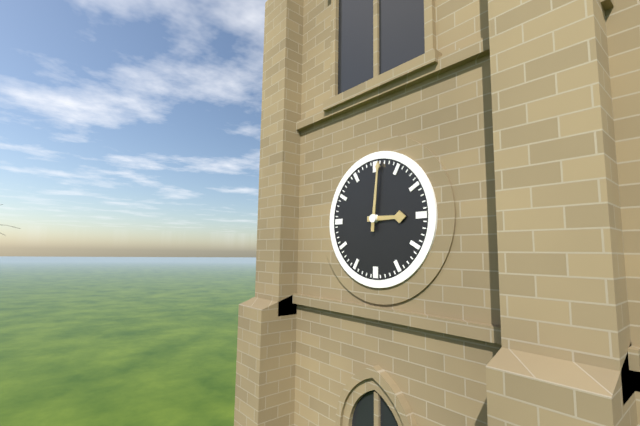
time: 3:01
